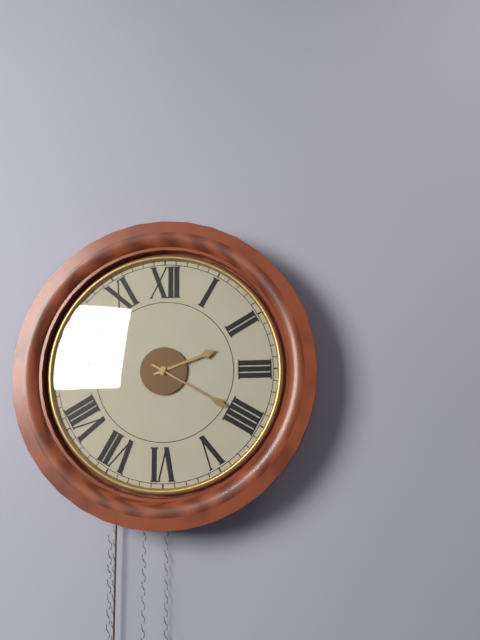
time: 2:20
